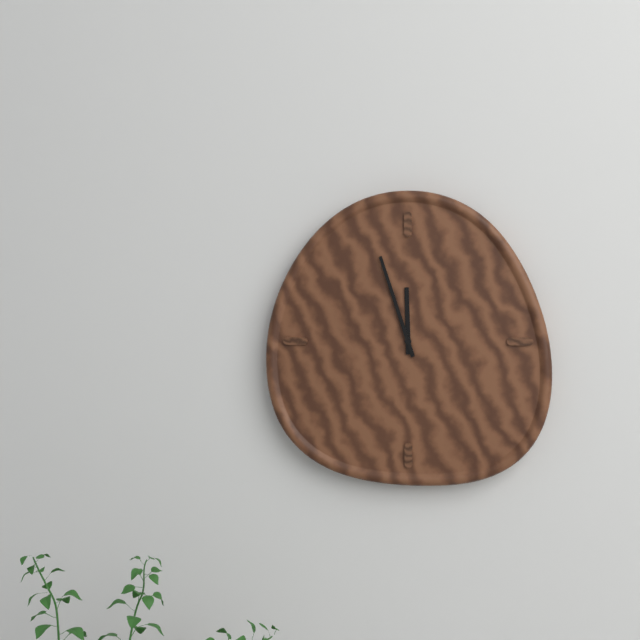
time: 11:57
